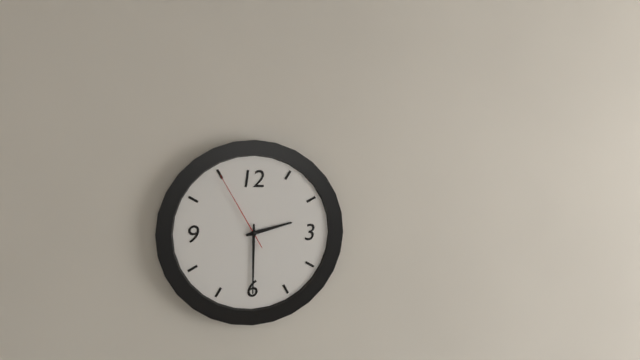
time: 2:30:55
